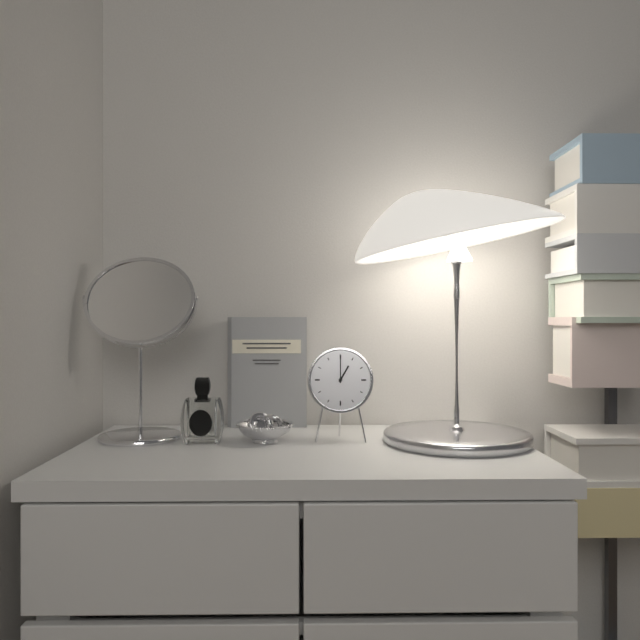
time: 1:00
